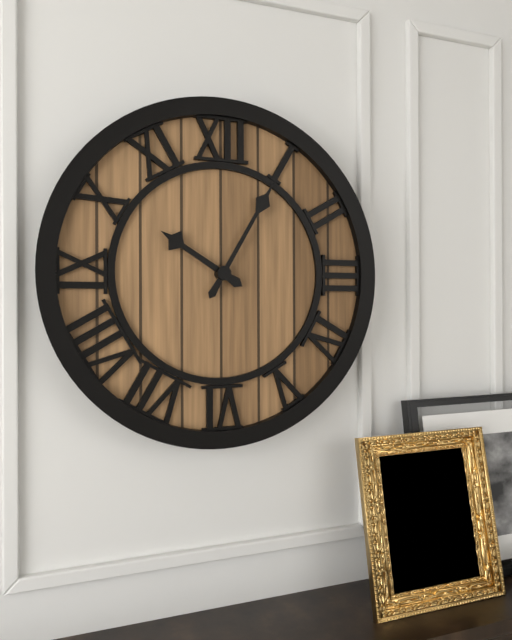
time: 10:05
